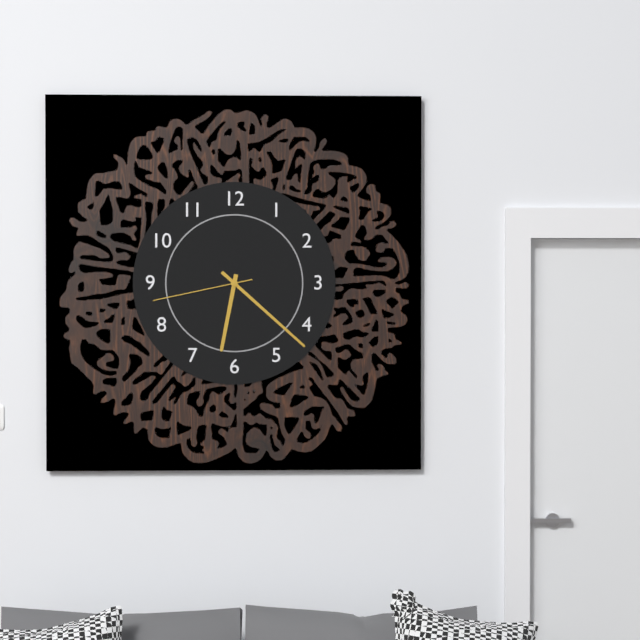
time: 6:22:43
